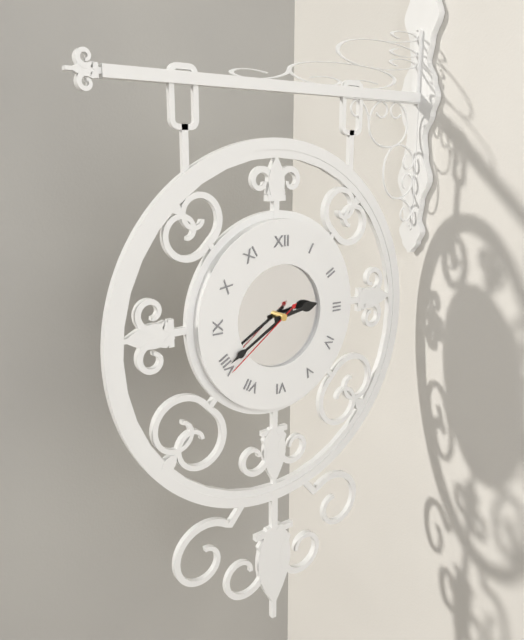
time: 2:40:39
